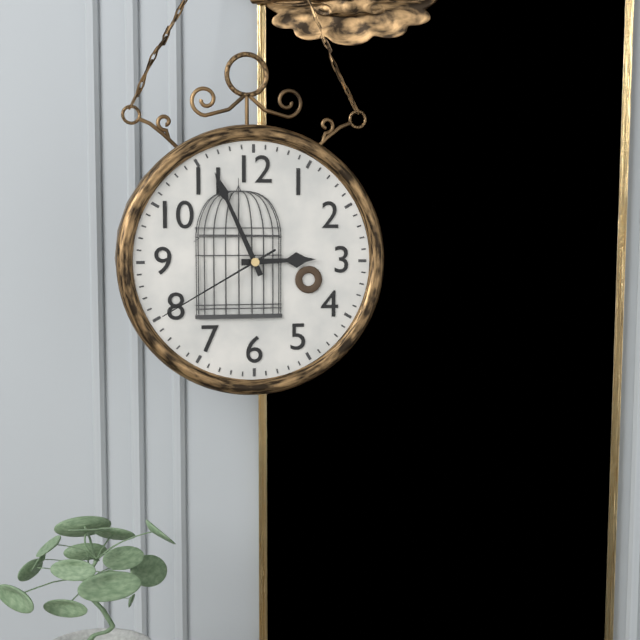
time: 2:56:40
